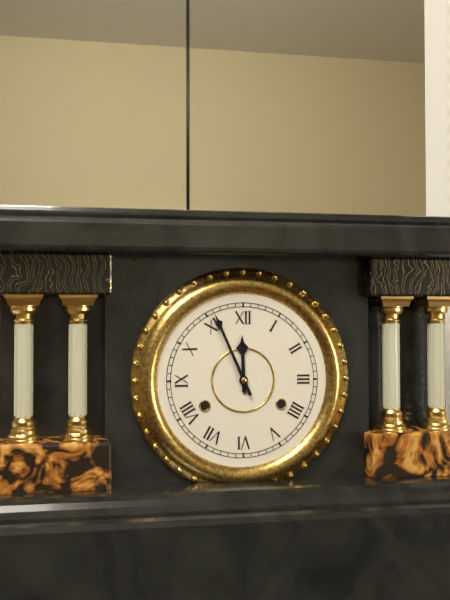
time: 11:56
